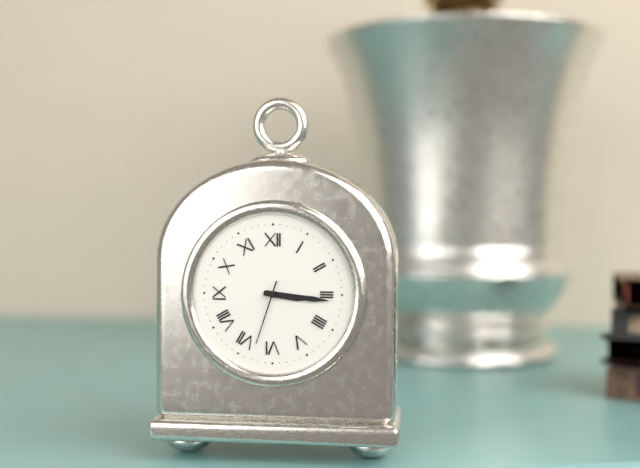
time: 3:16:33
